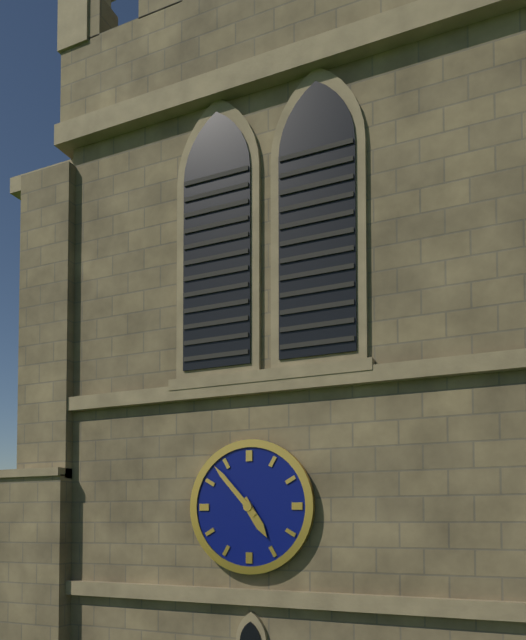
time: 4:53
